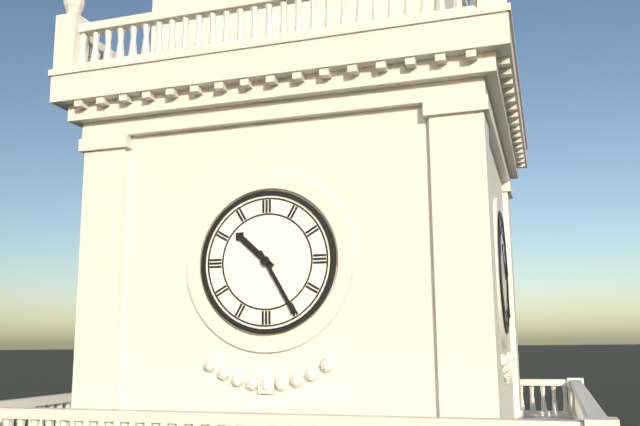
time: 10:25
